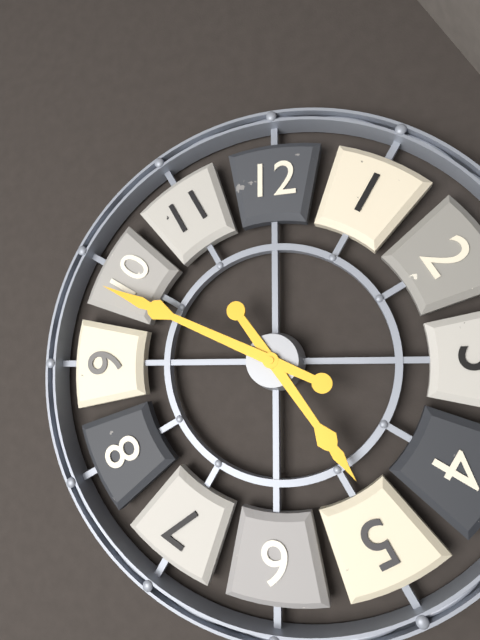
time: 4:49
